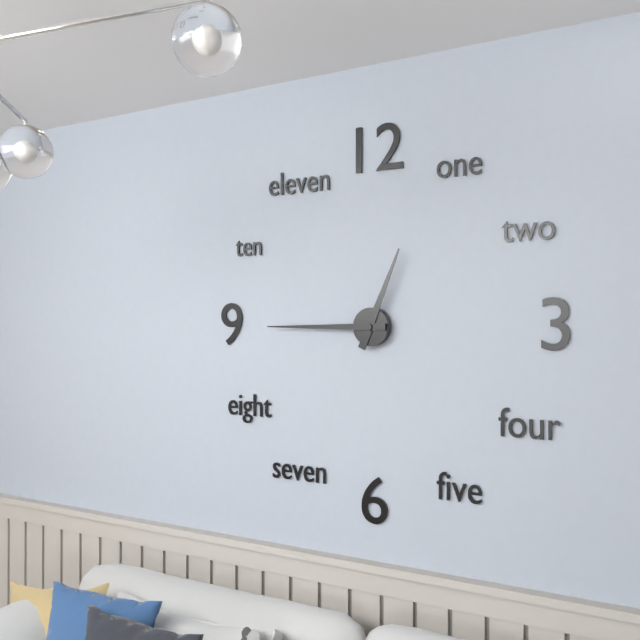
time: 12:45
